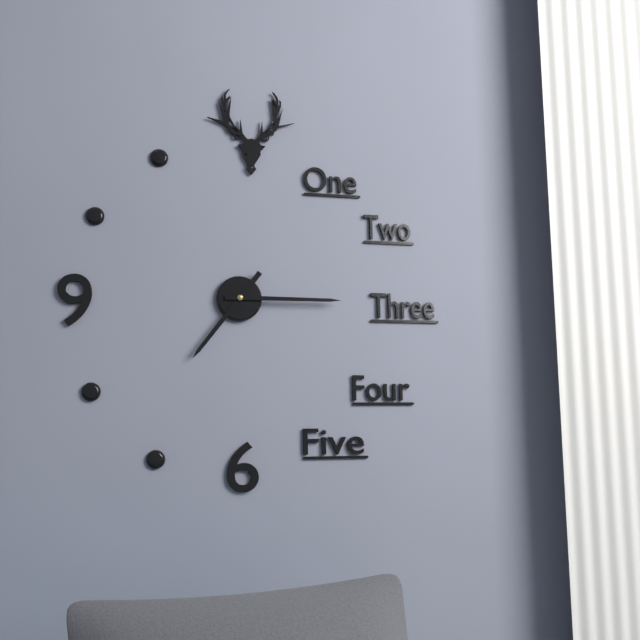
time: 7:15
